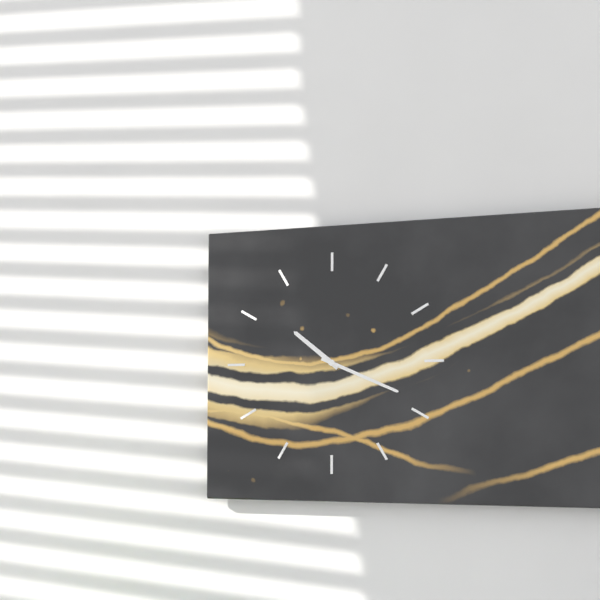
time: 10:19
